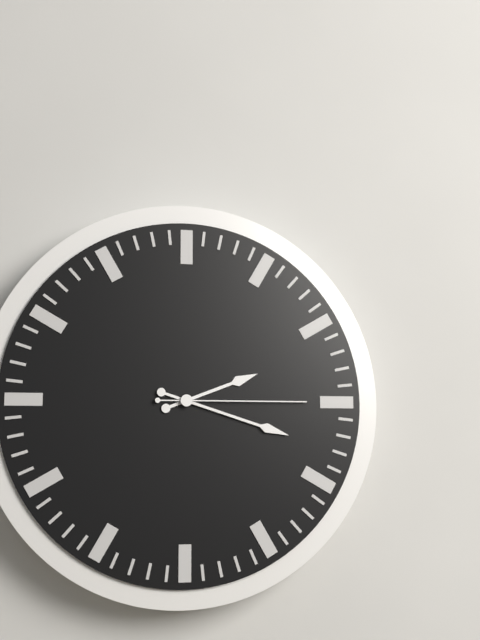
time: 2:18:15
